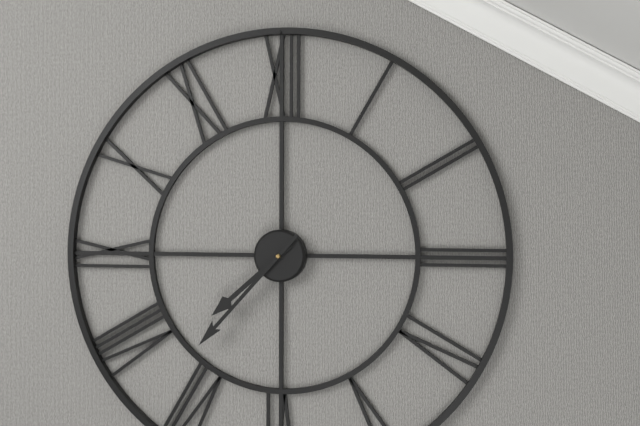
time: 7:37
